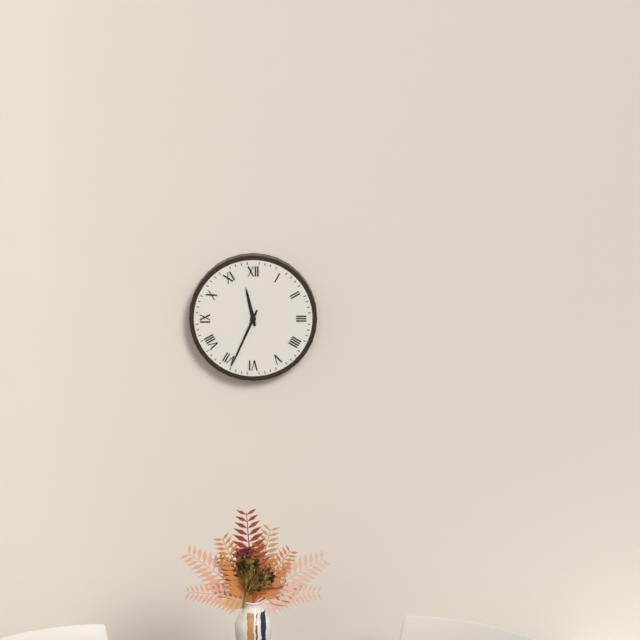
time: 11:34
